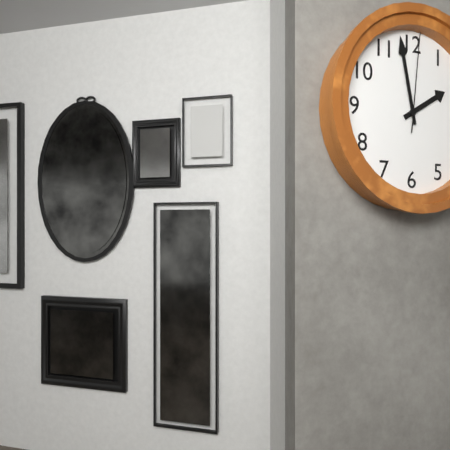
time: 1:58:01
